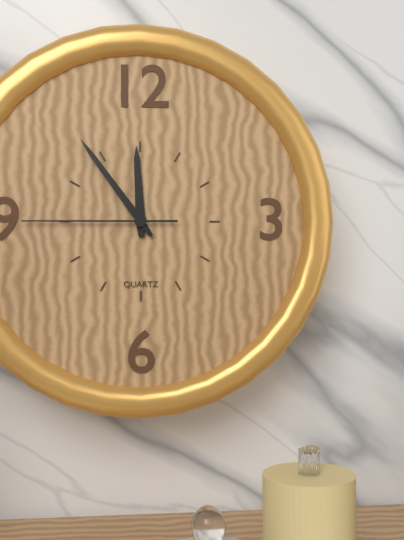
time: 11:54:45
